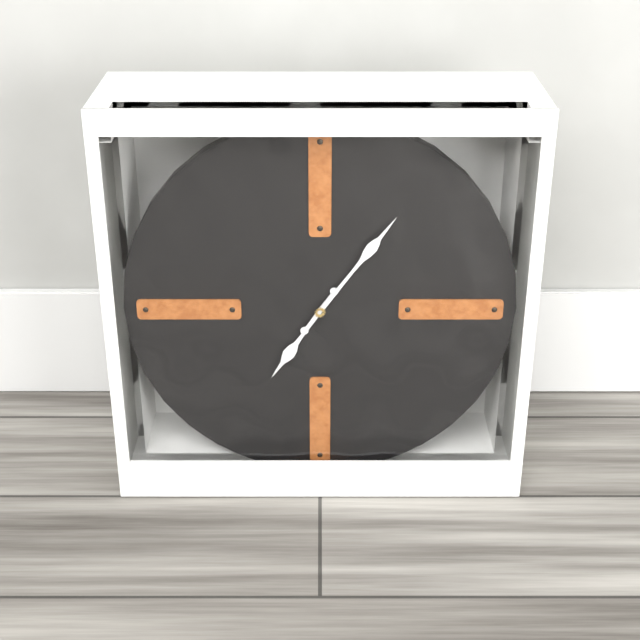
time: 7:06
